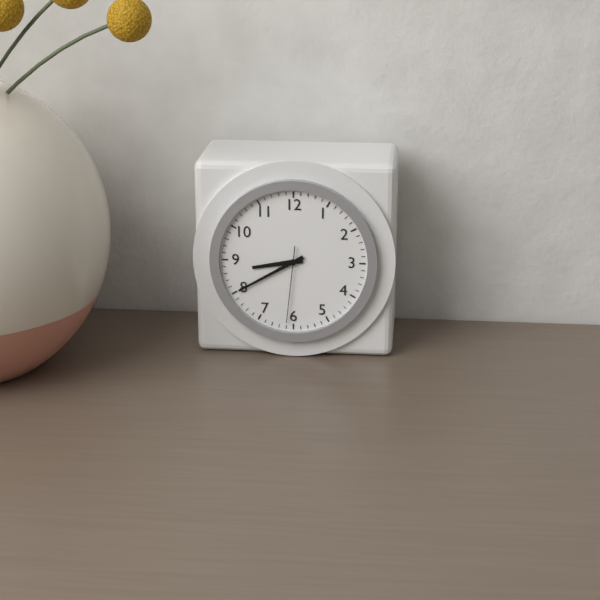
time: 8:40:31
